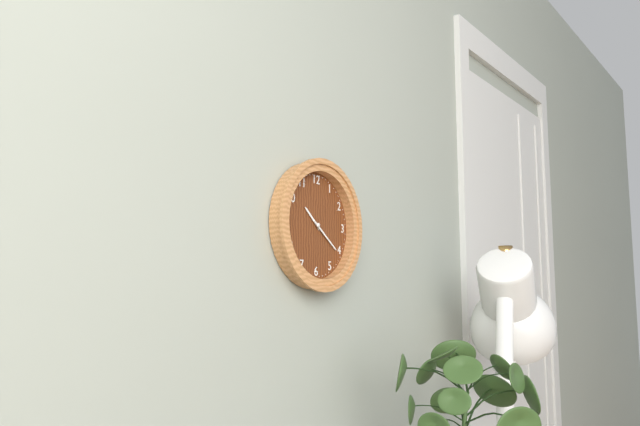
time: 10:21
